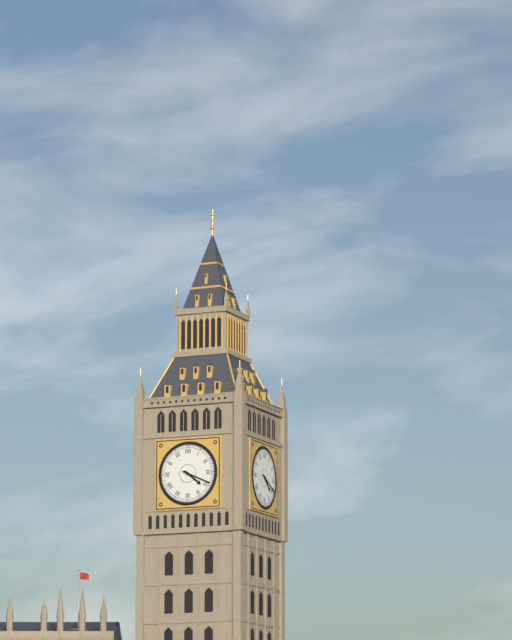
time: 4:19
